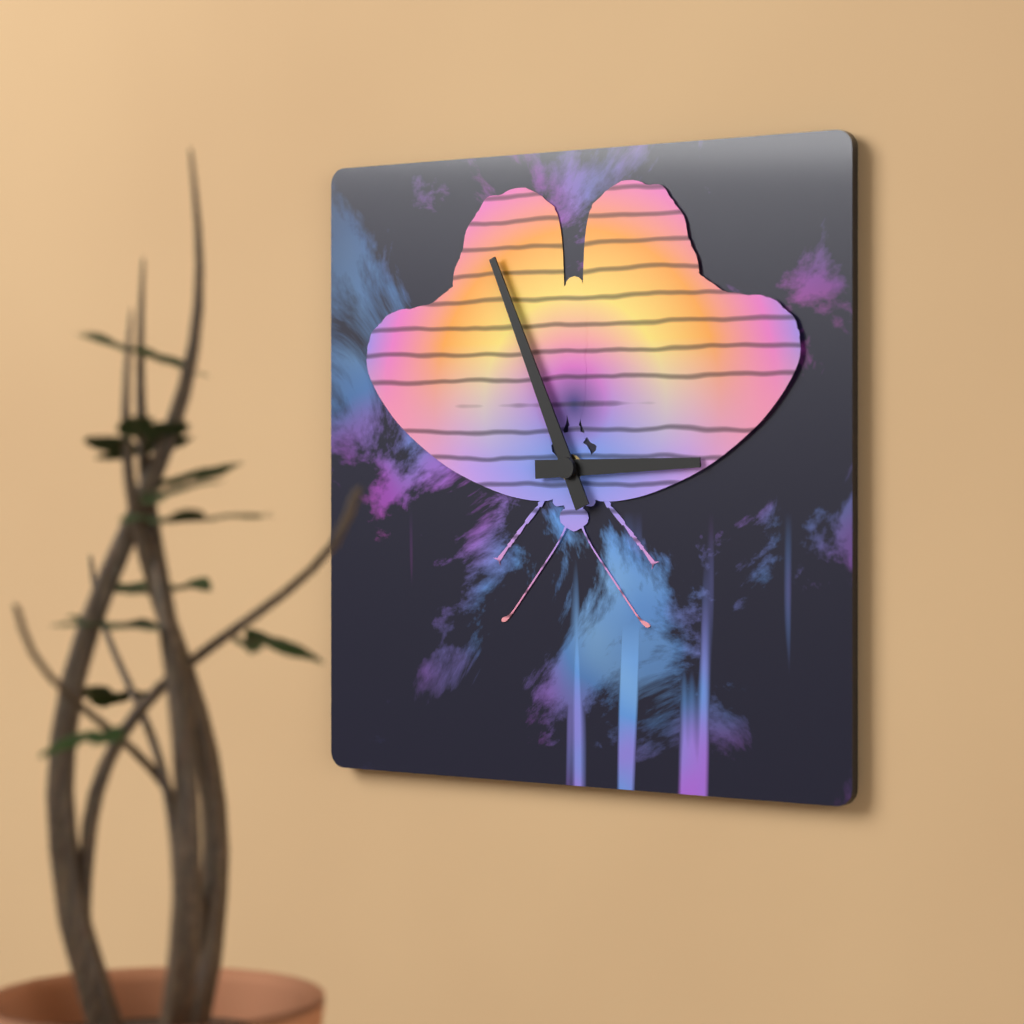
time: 2:56
